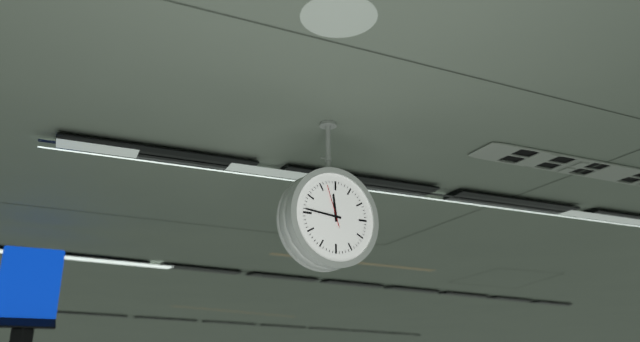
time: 11:46
